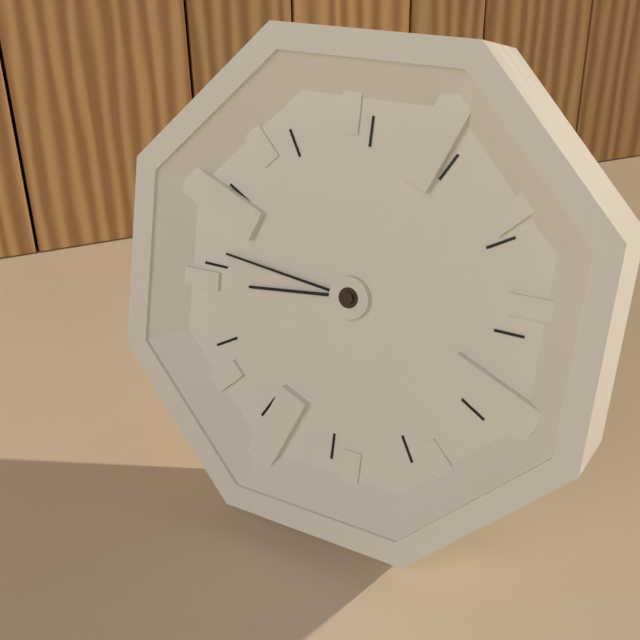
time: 8:46
